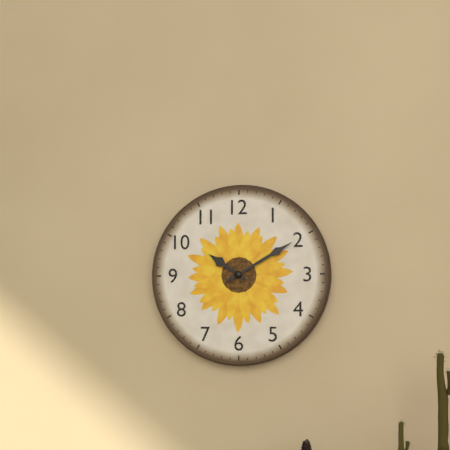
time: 10:10
